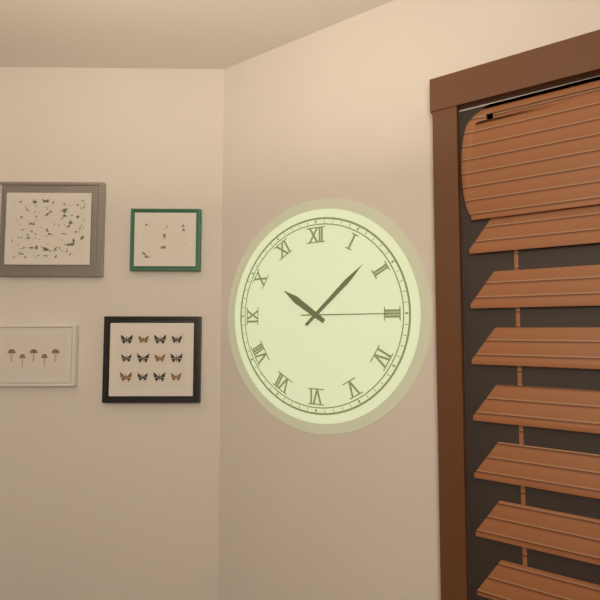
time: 10:08:15
